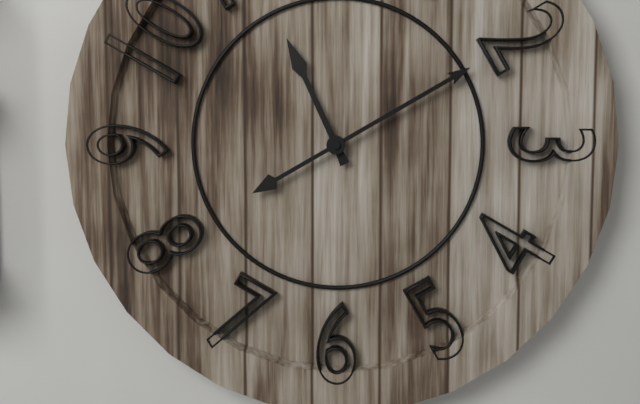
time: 11:10
